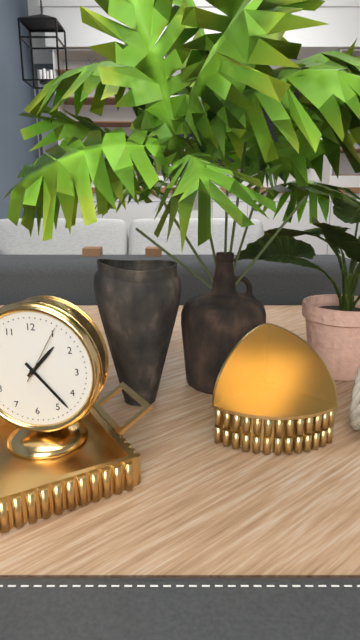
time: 1:23:05
